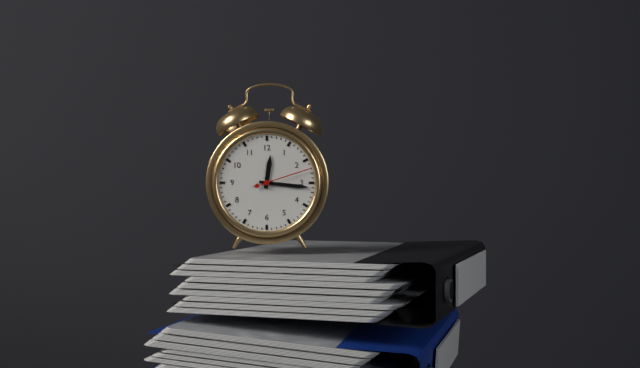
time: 12:16:12
